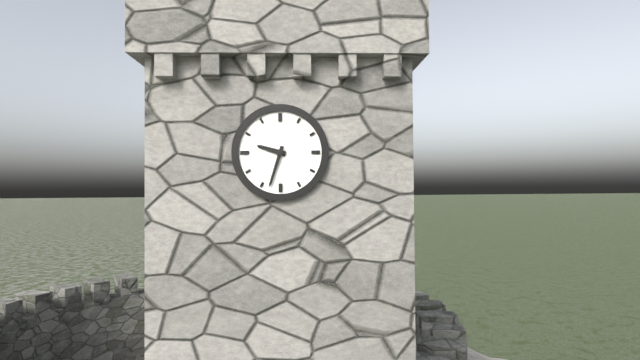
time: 9:33
